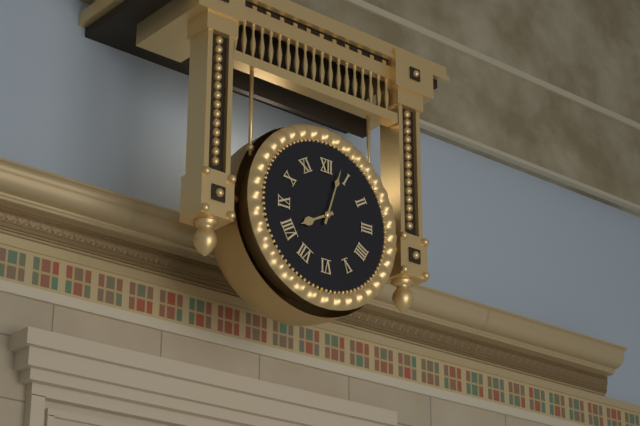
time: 8:03
